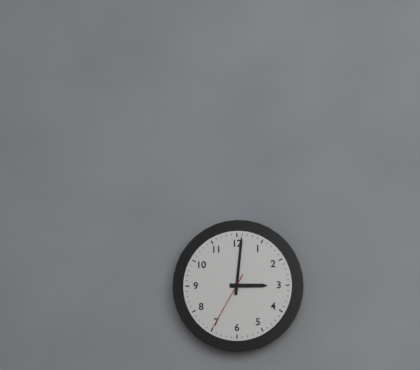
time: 3:01:35
